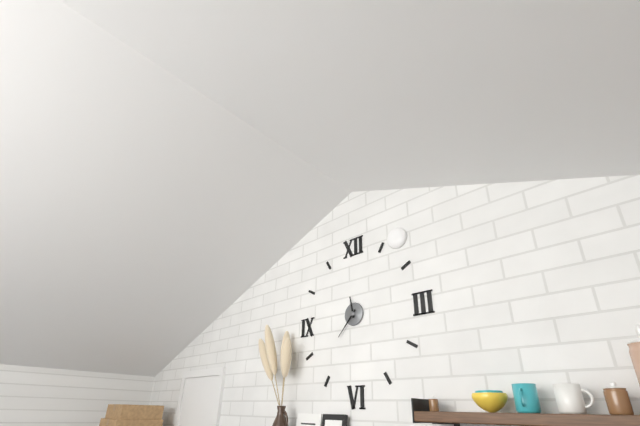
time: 11:37
